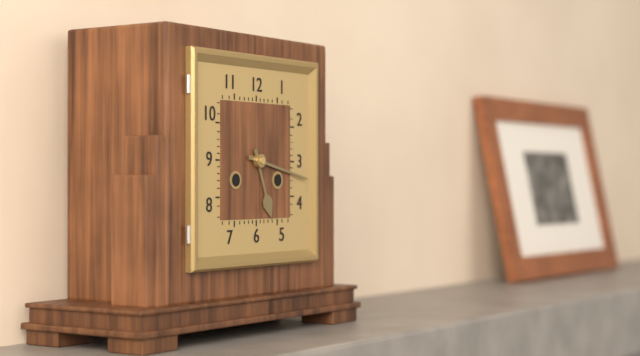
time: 5:17
